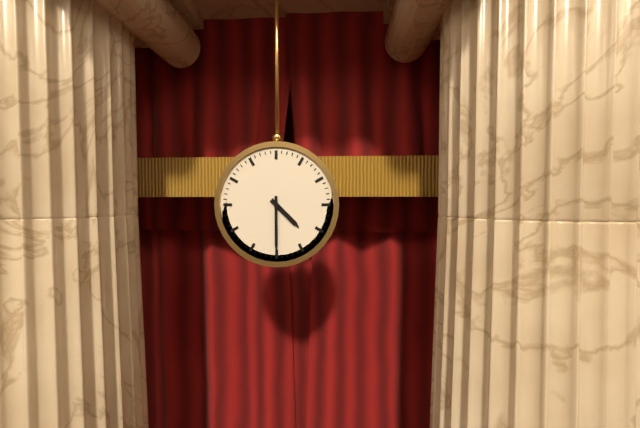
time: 4:30
